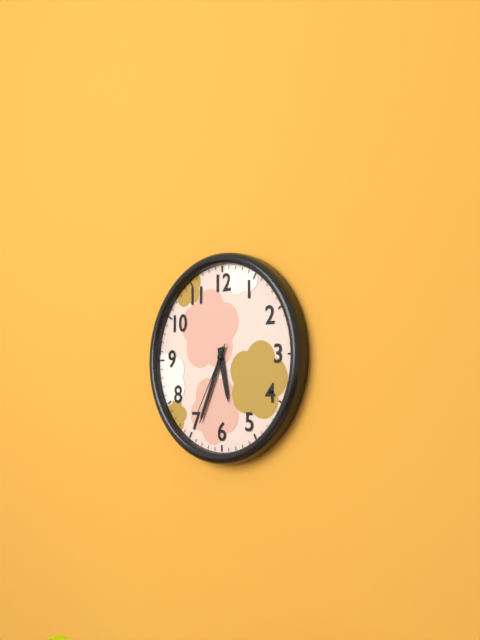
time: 5:34:35
